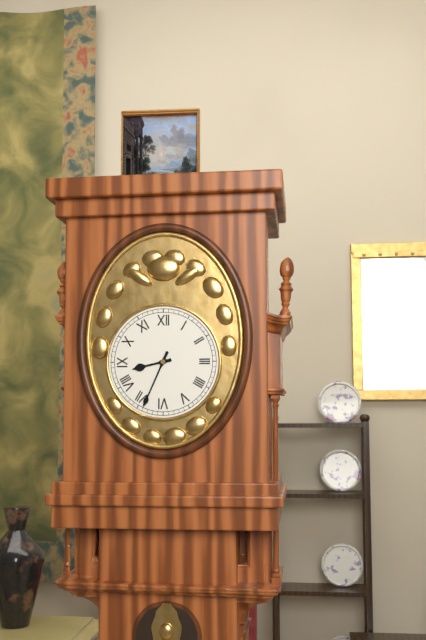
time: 8:34
